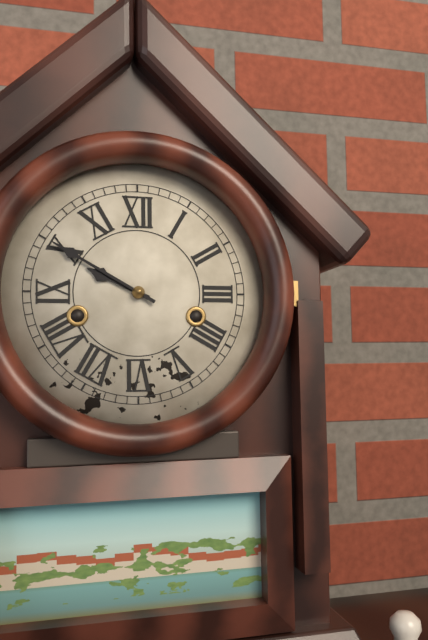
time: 9:50
